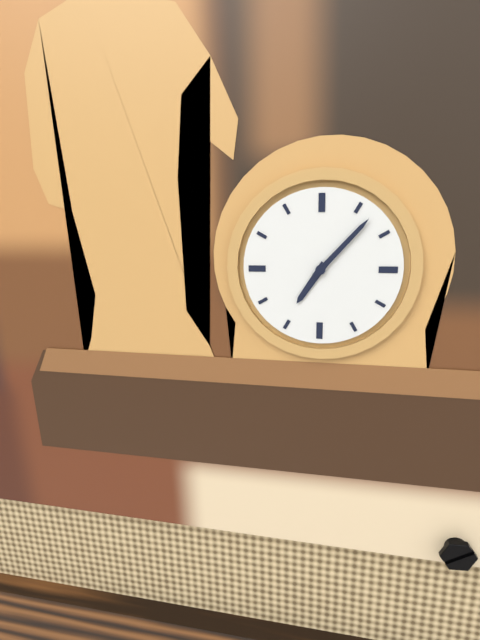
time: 7:07
